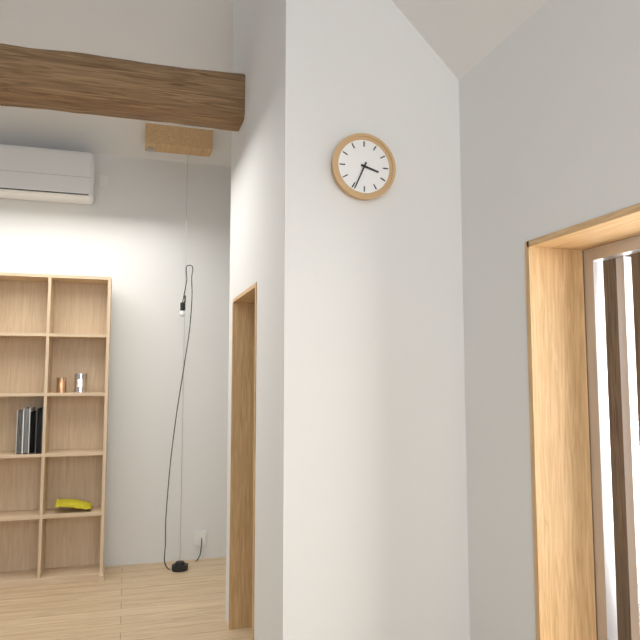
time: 3:34
